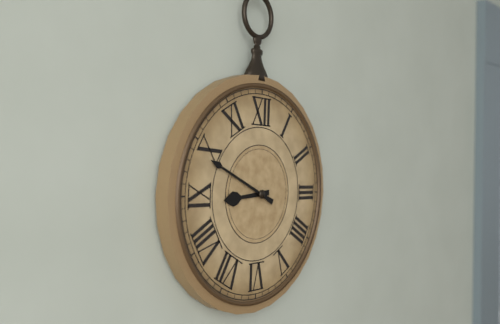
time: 8:49
